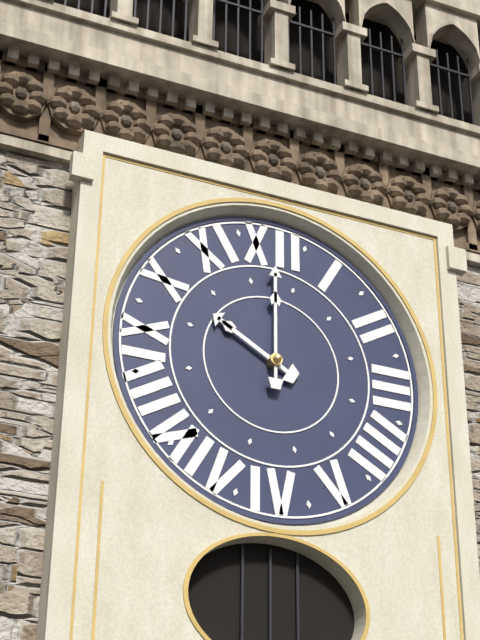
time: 10:00
